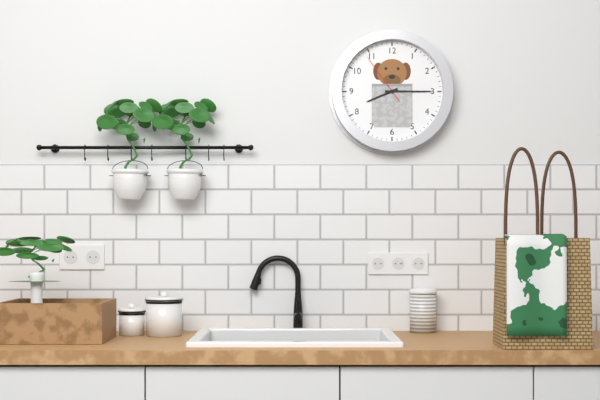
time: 8:15:54
